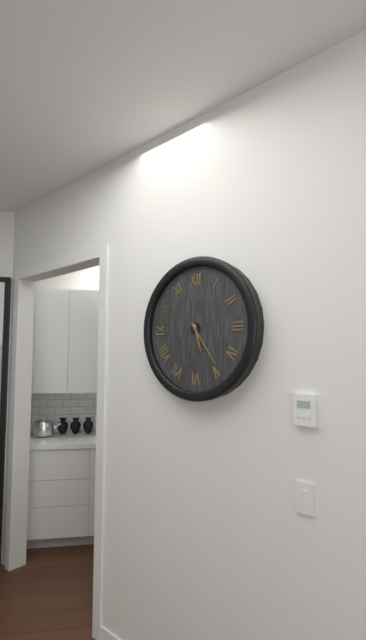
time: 5:24
